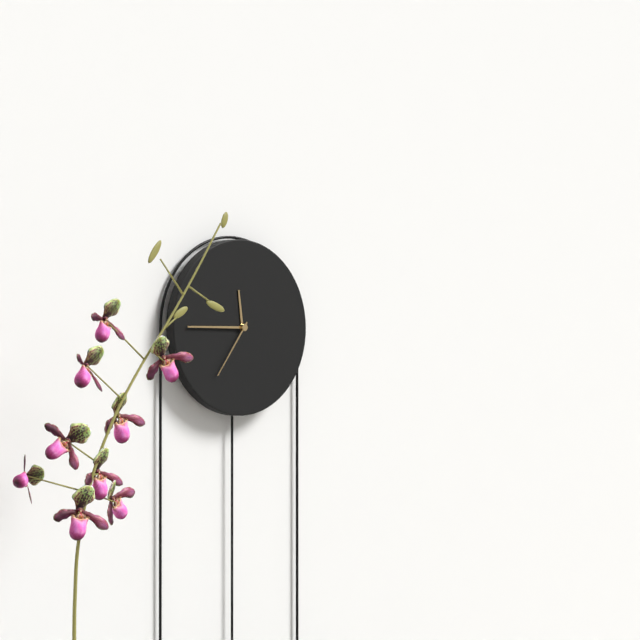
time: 11:45:36
